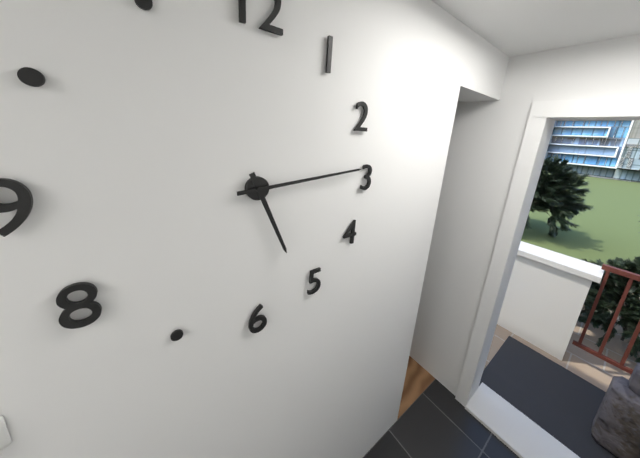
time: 5:14
